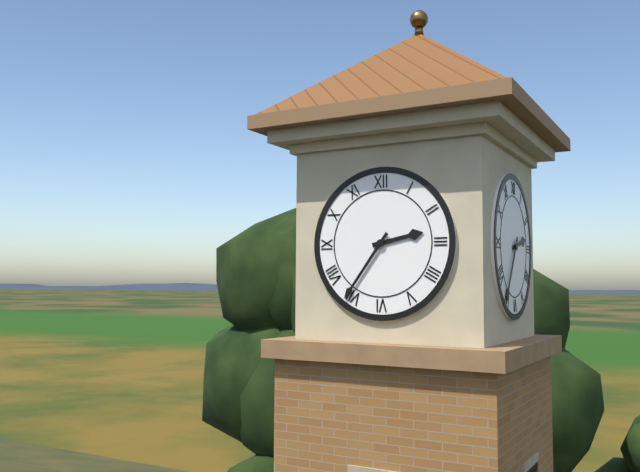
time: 2:36
